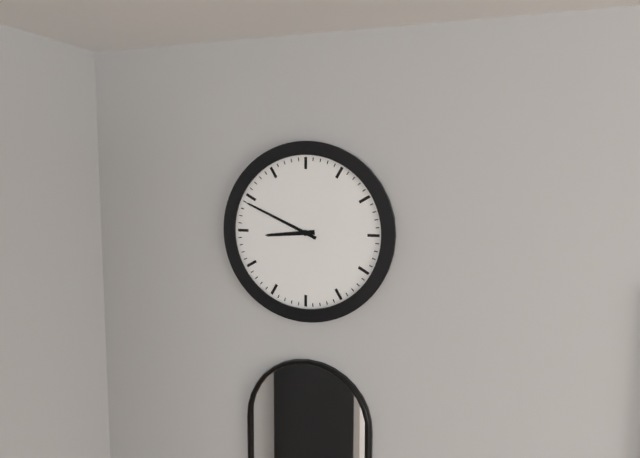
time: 8:49
